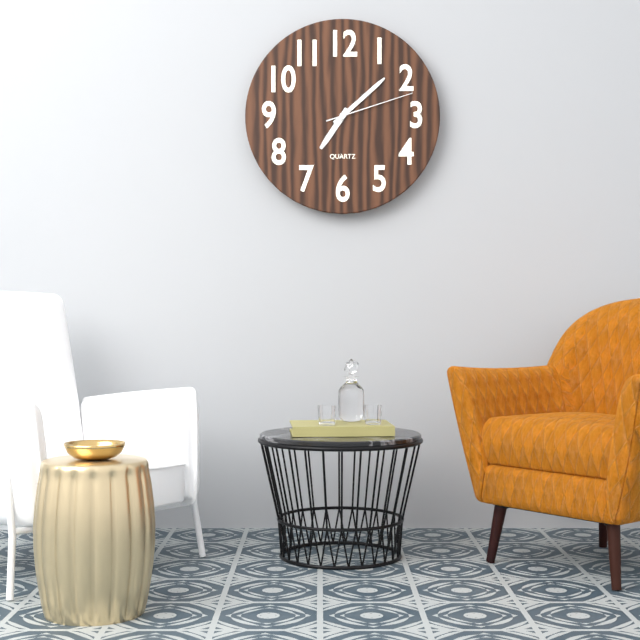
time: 7:08:12
